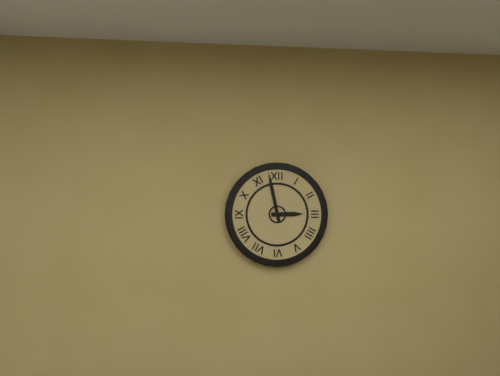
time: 2:58
